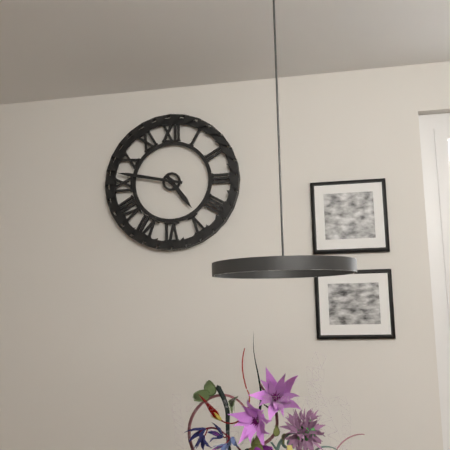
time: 4:47
